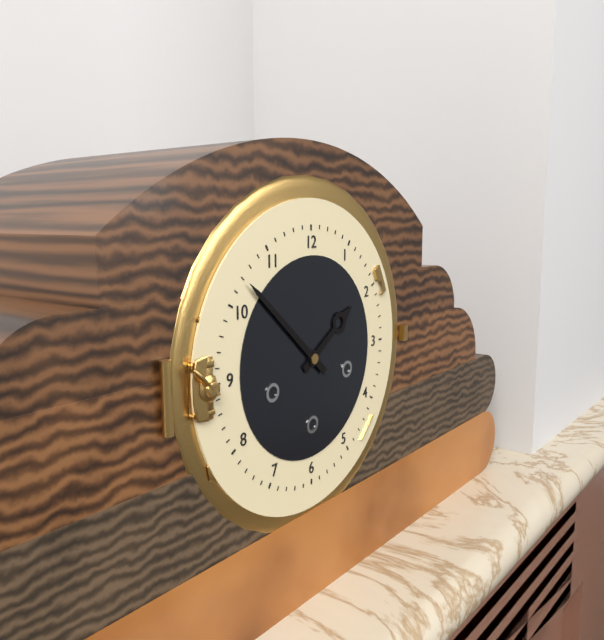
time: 1:52
